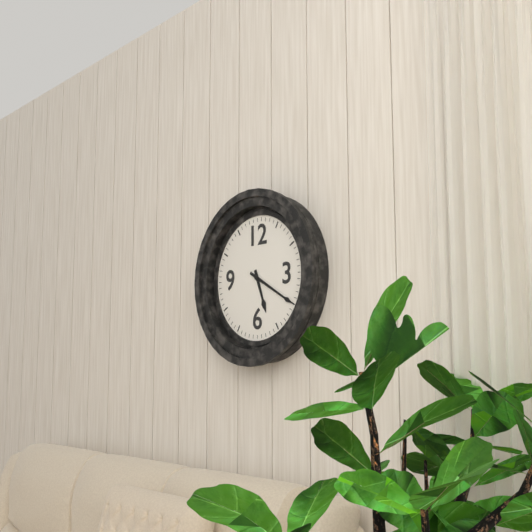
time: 5:20
